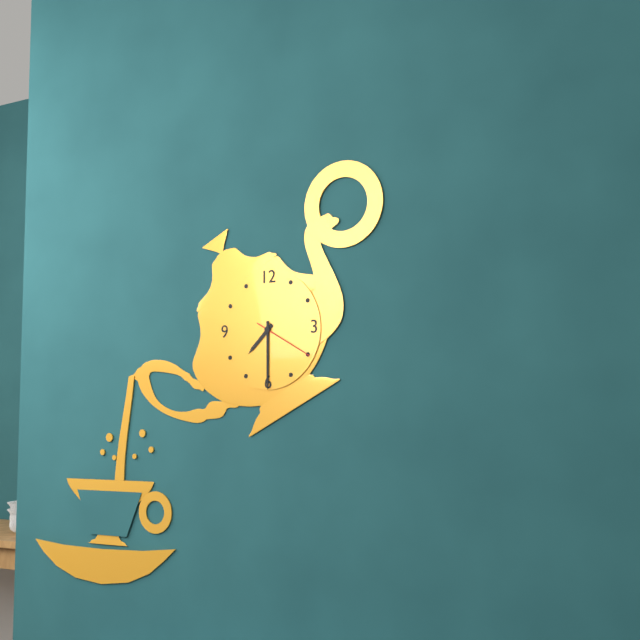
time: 7:30:20
